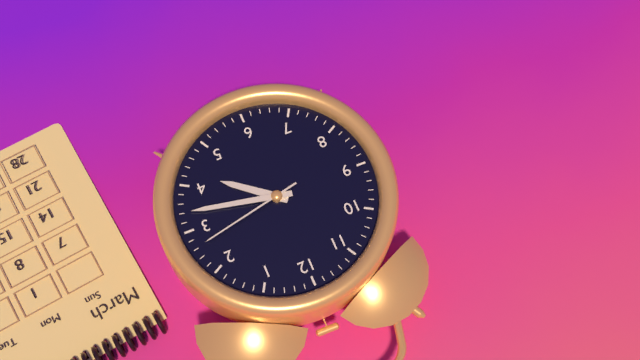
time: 4:17:13
